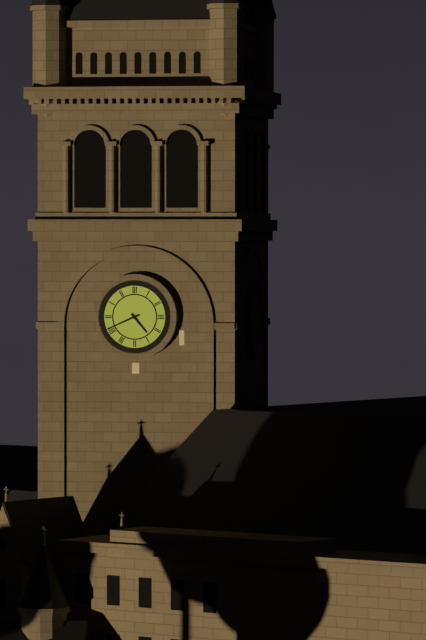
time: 4:41
